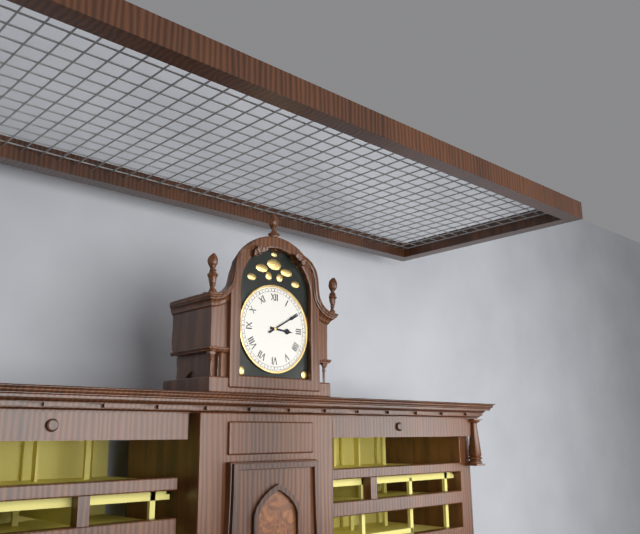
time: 3:10
